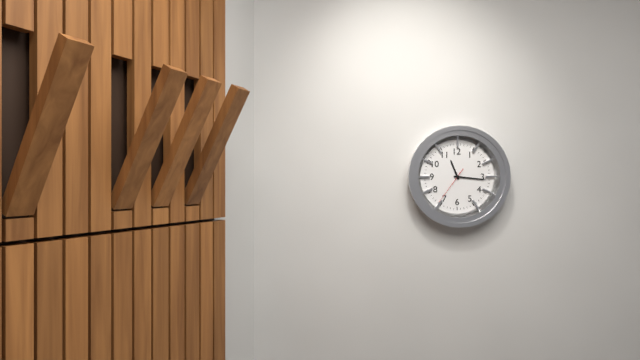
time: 11:16
